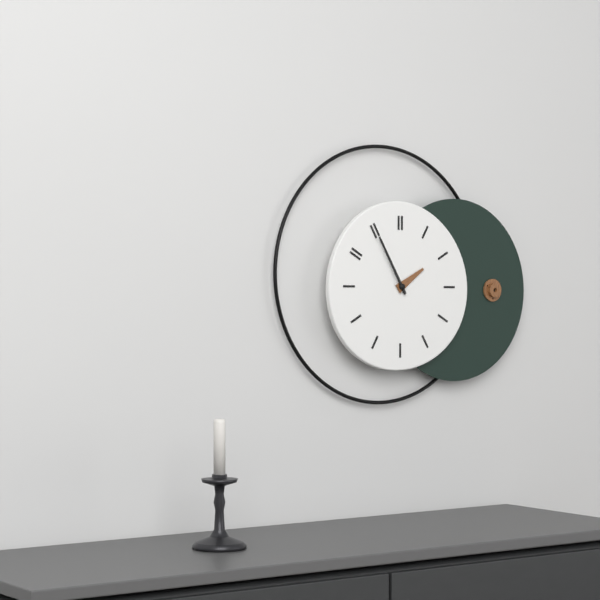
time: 1:55
